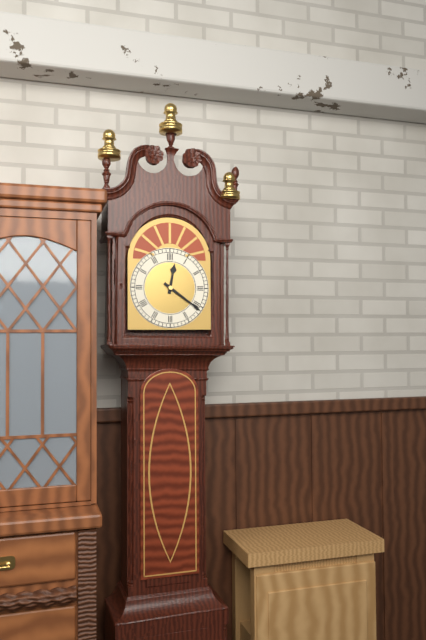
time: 12:21
